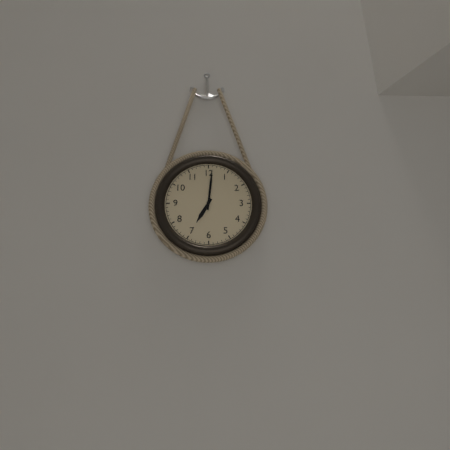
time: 7:01
